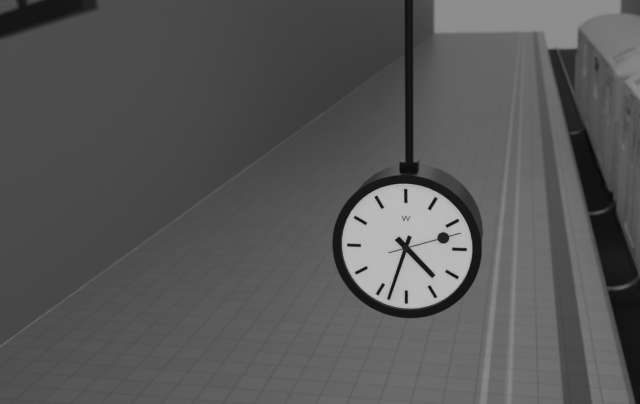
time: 4:33:12
